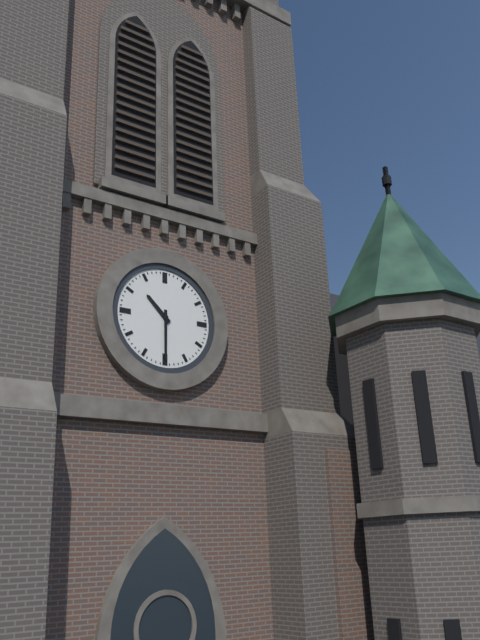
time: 10:30
